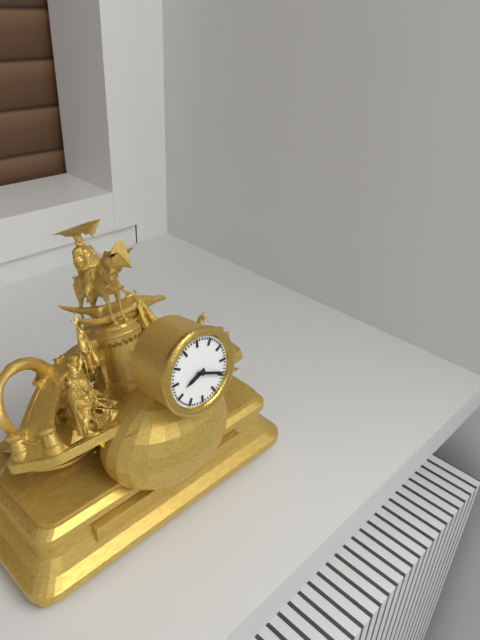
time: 8:19
